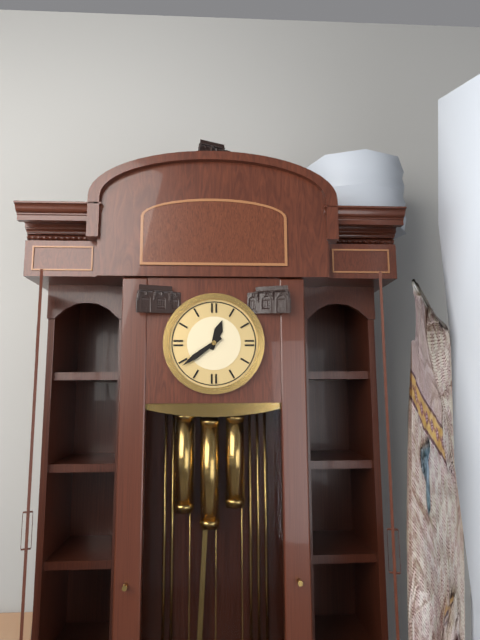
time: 12:39
